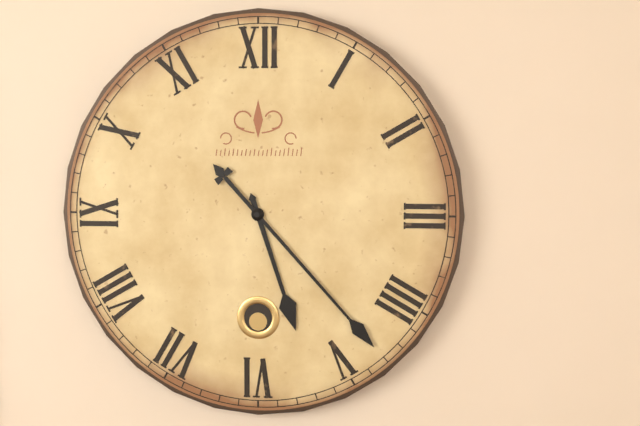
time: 5:23
